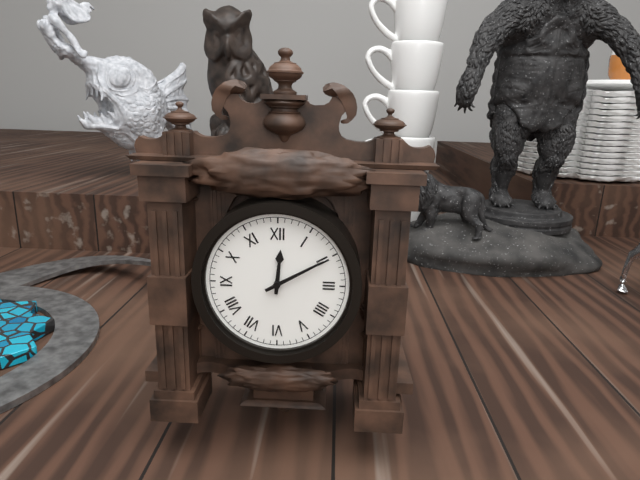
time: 12:10
